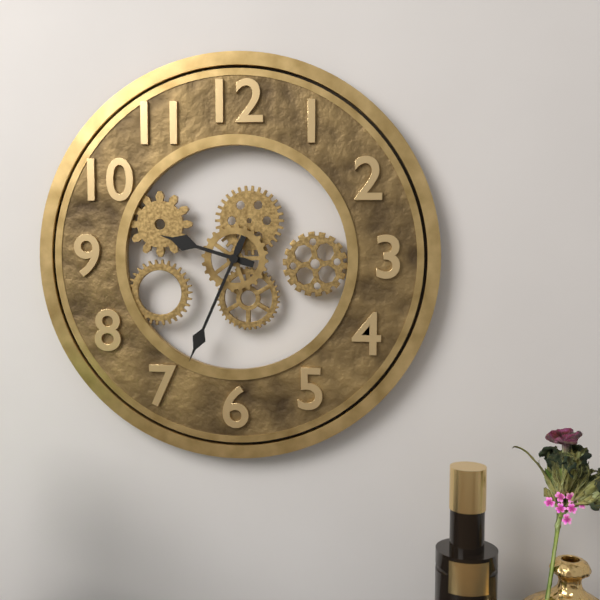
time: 9:34
